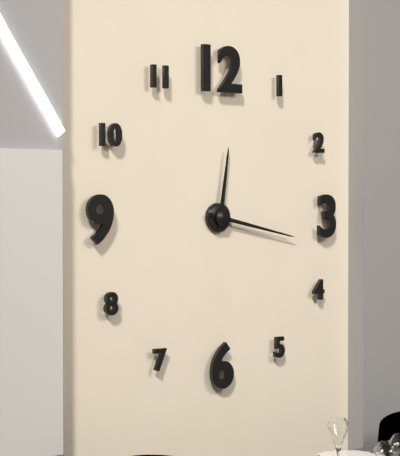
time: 12:17
